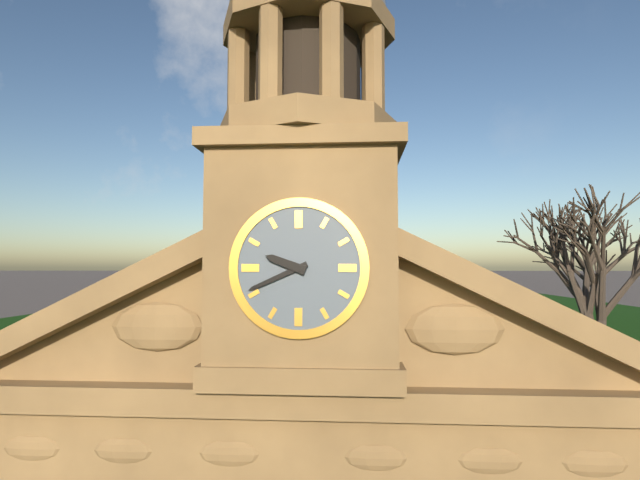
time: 9:41
